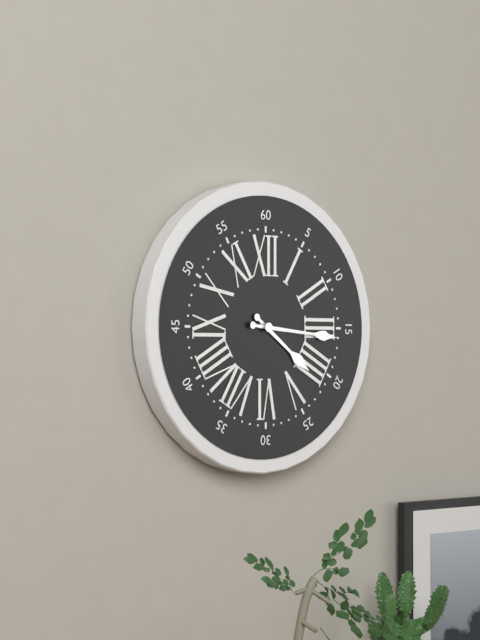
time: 4:16:16
